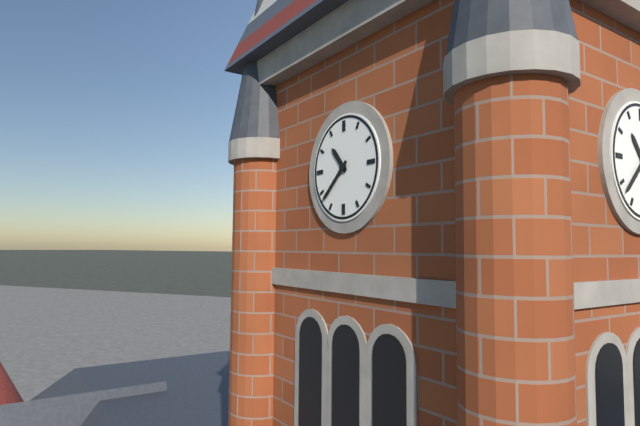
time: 10:38
